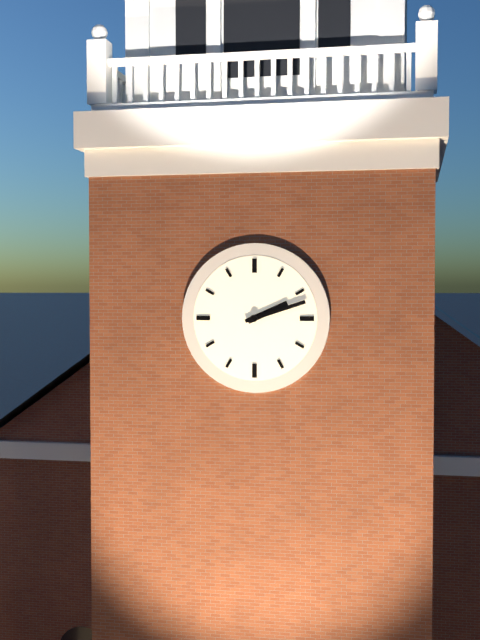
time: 2:12
